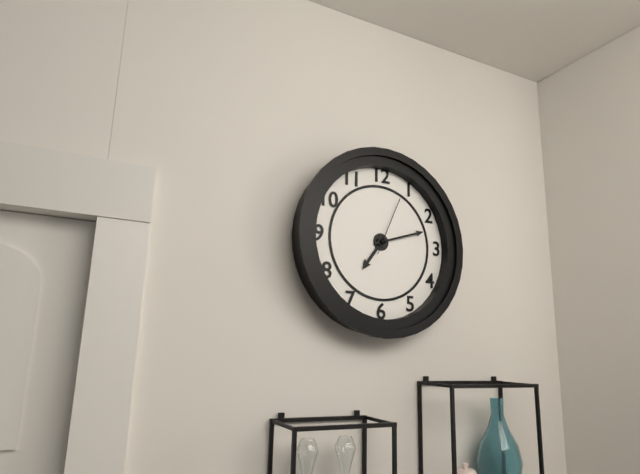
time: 7:12:04
